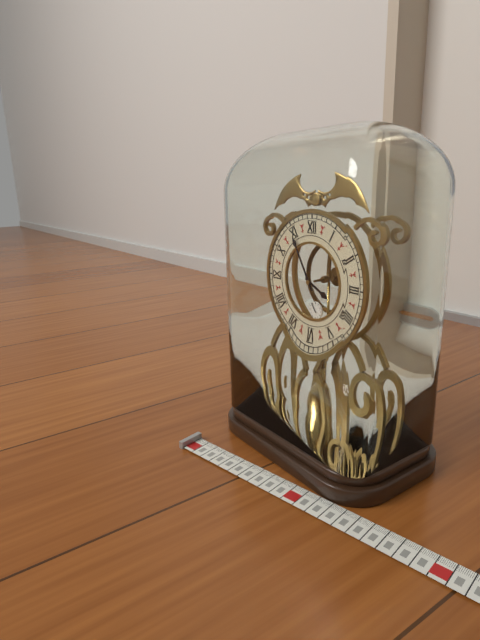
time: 3:55
